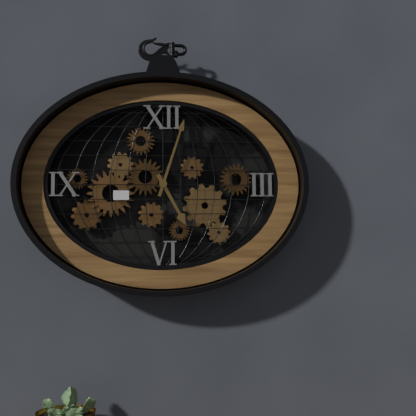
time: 5:03
